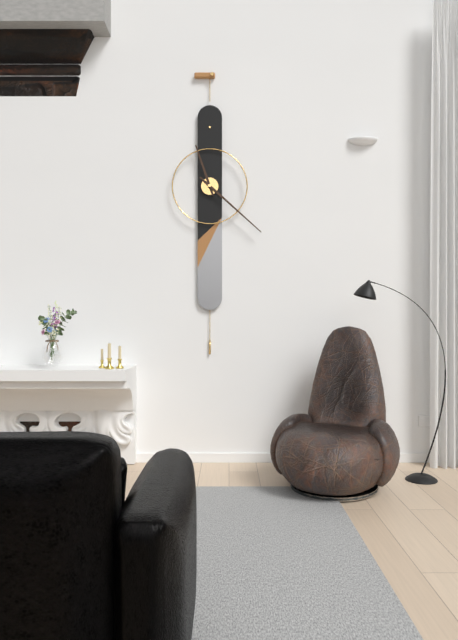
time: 11:22
